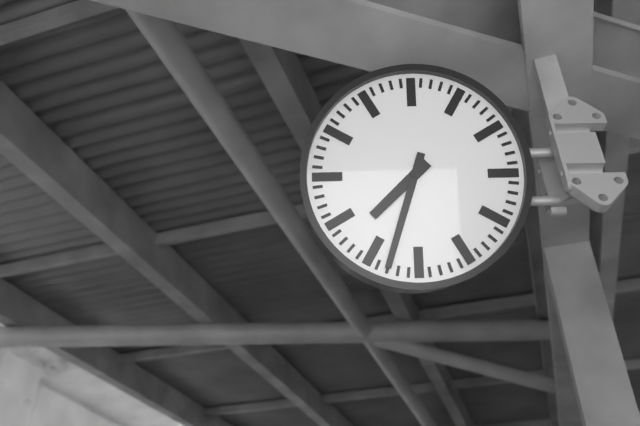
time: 7:33
